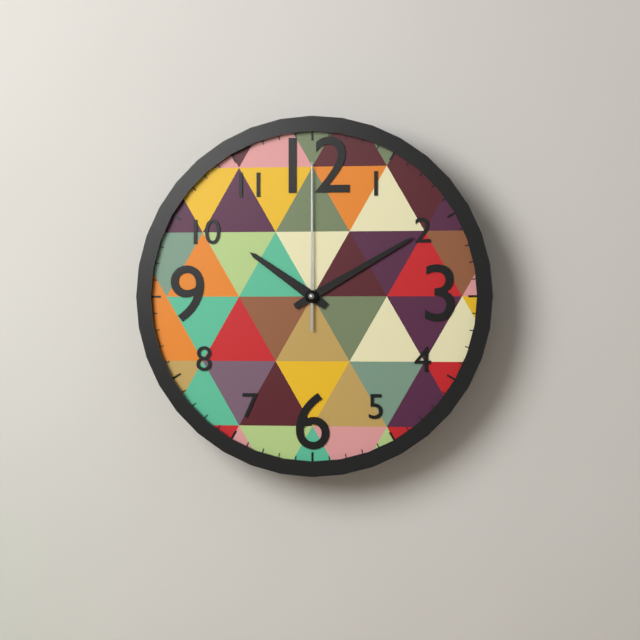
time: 10:10:00
